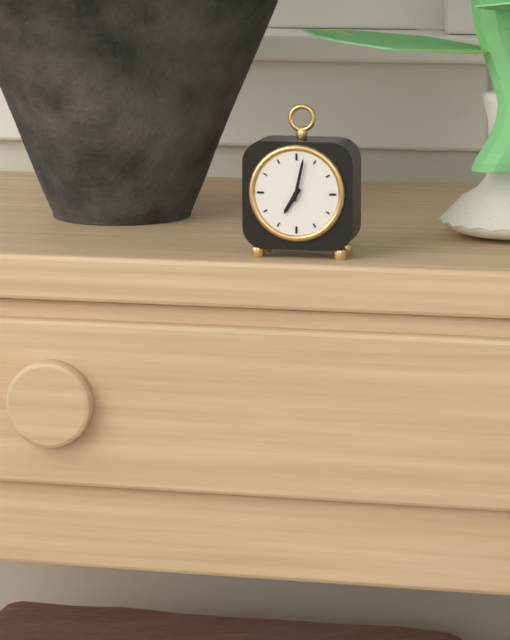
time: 7:02
